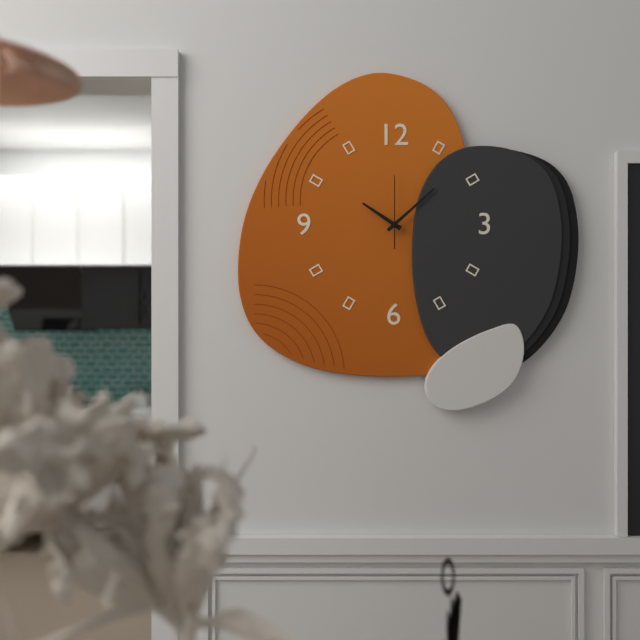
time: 10:08:00
